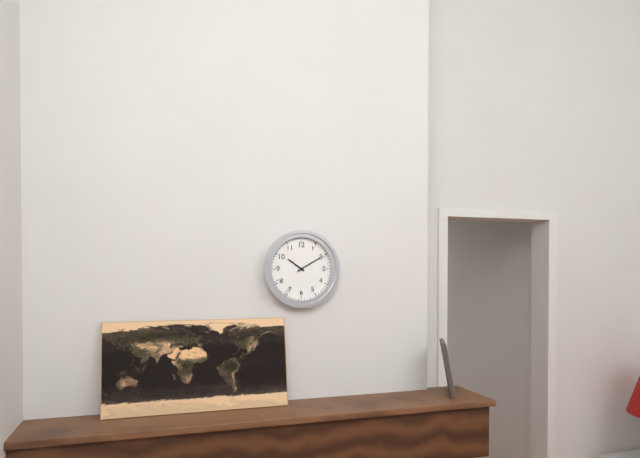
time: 10:10
